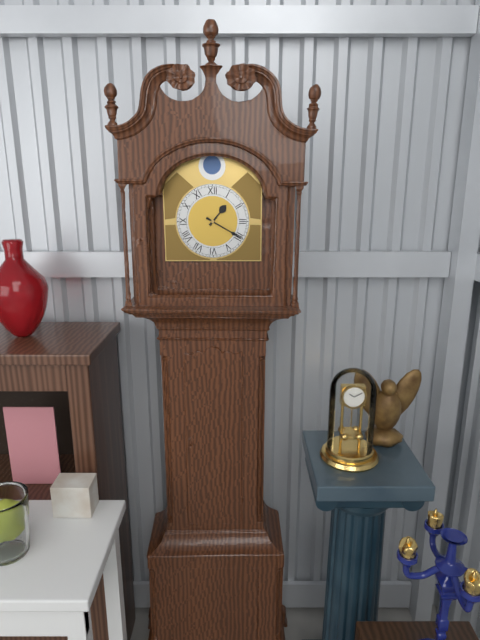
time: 1:20
